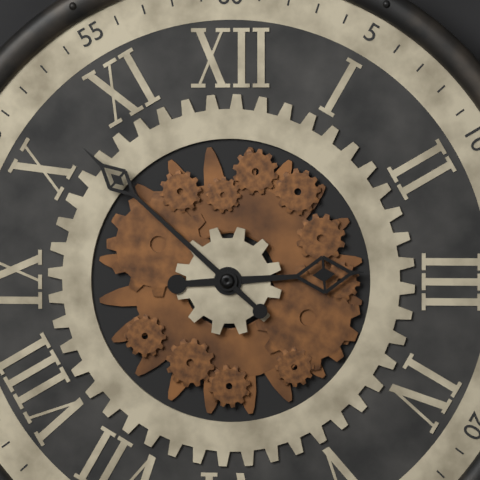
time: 2:52
